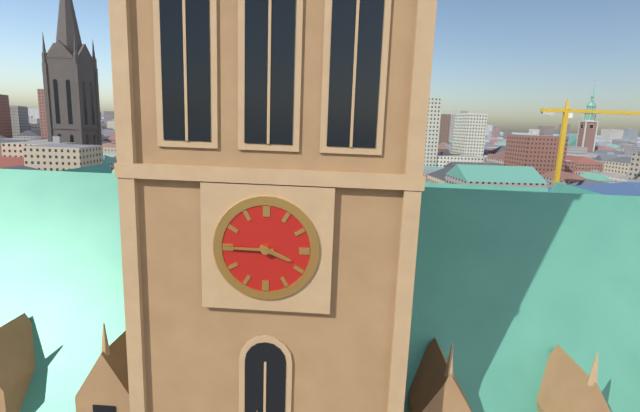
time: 3:45
